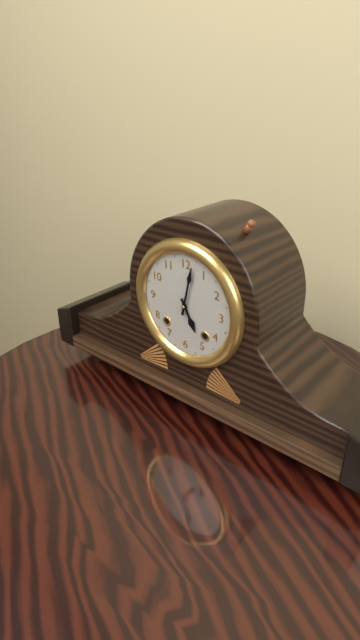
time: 5:02
